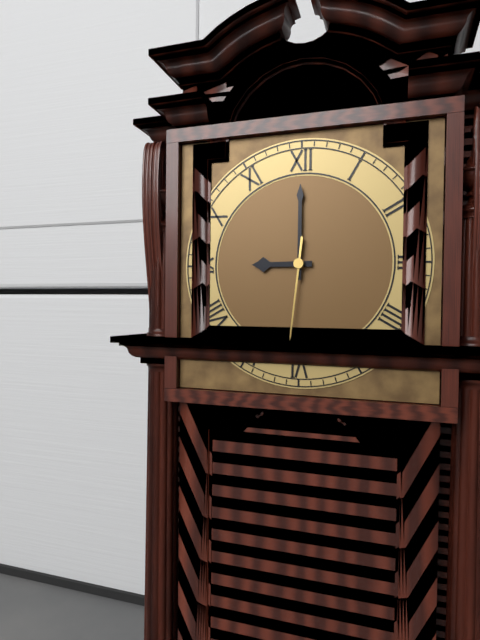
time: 9:00:31
